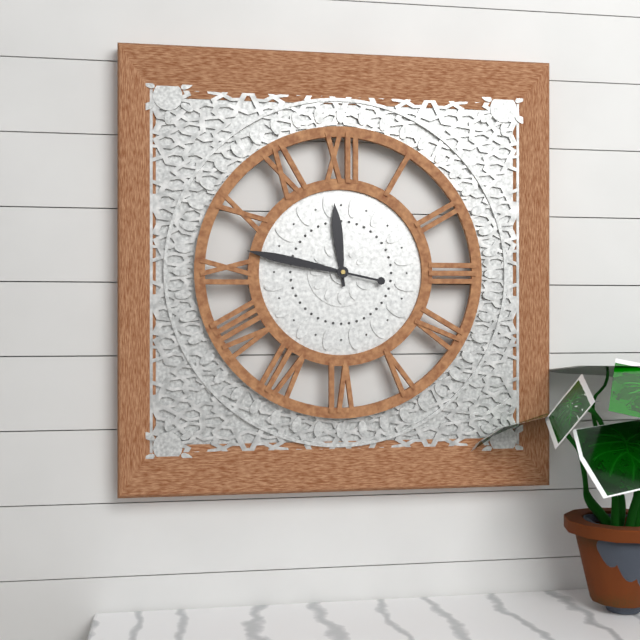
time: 11:47
